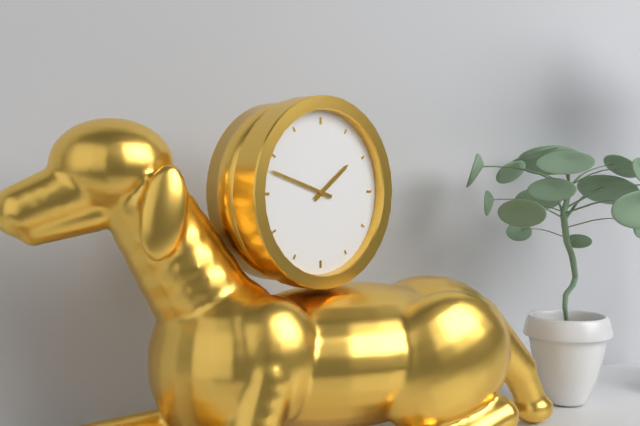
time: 1:48
